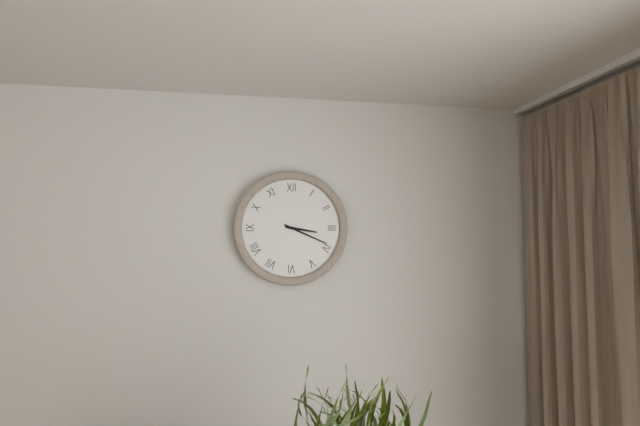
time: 3:19
